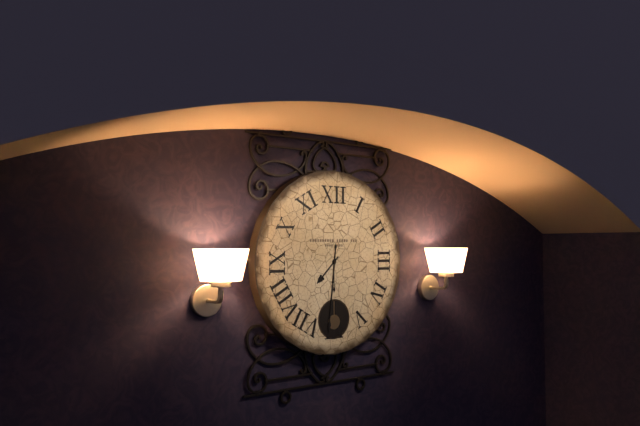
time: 7:31
